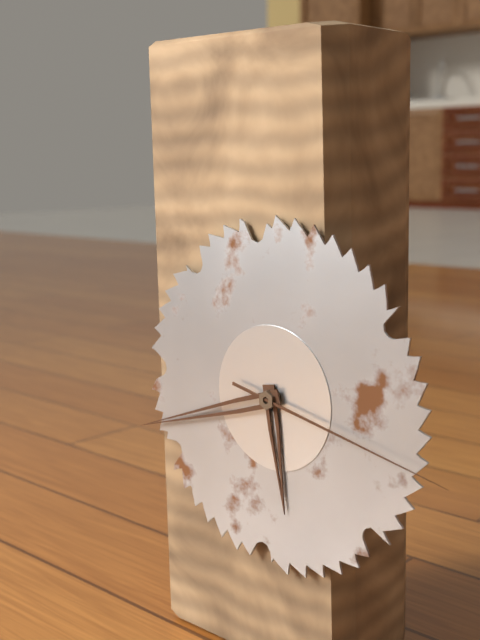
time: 5:42:17
